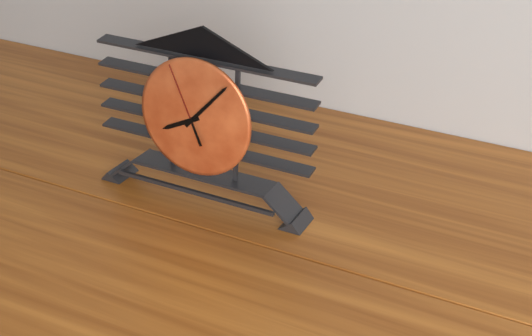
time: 8:07:56
